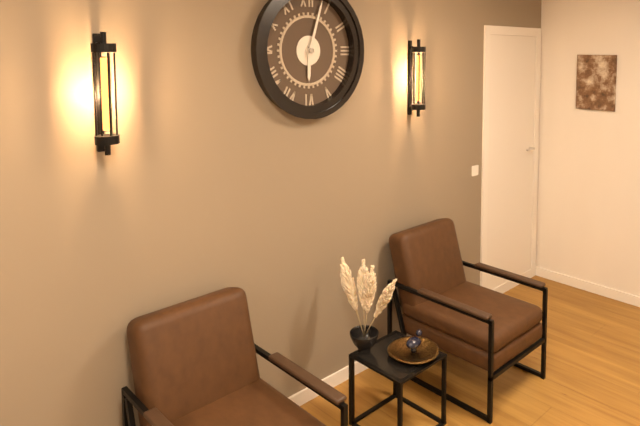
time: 6:03
